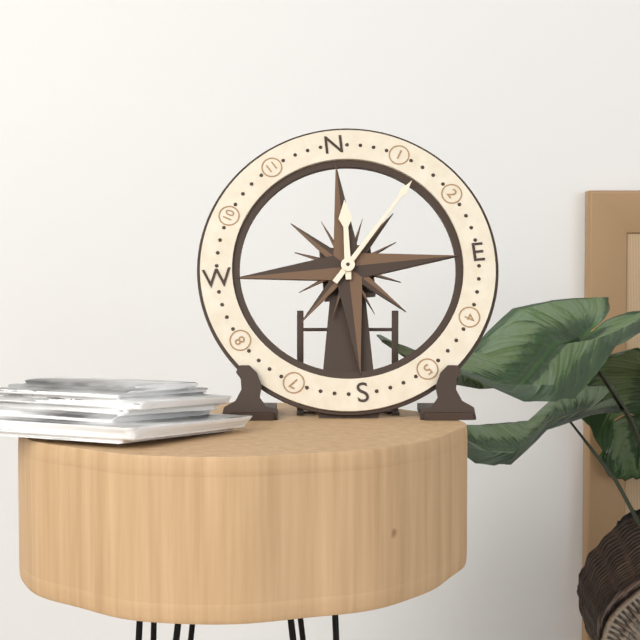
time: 12:07
